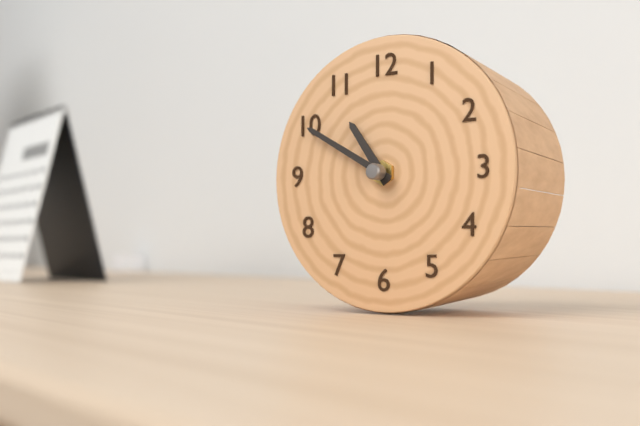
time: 10:50
